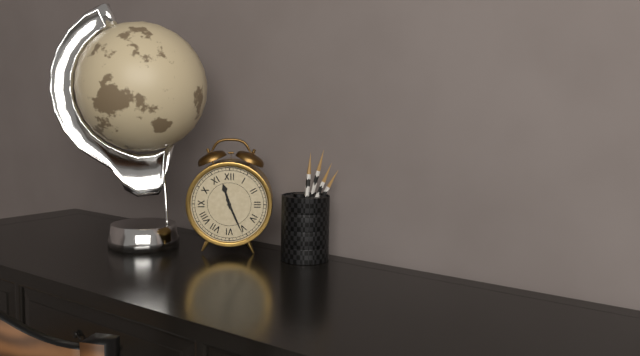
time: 11:26
